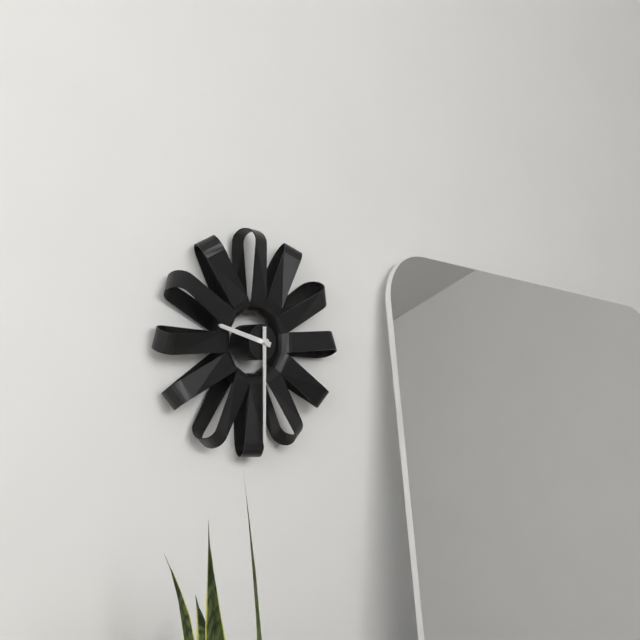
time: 9:30
